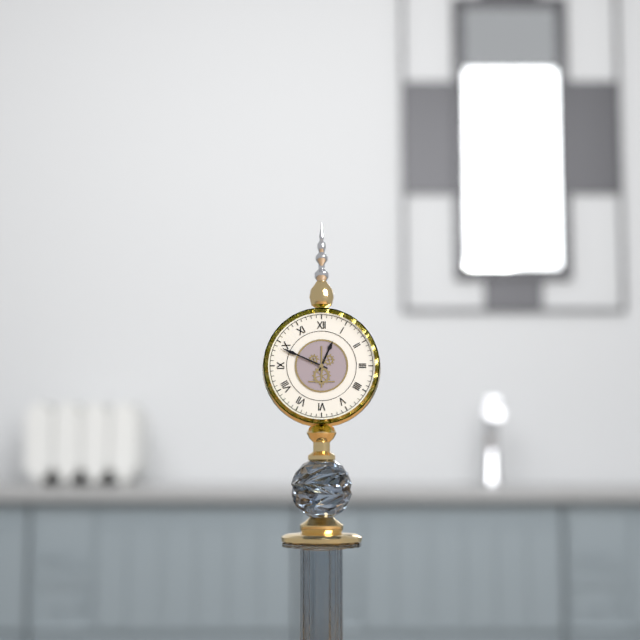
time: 12:49
